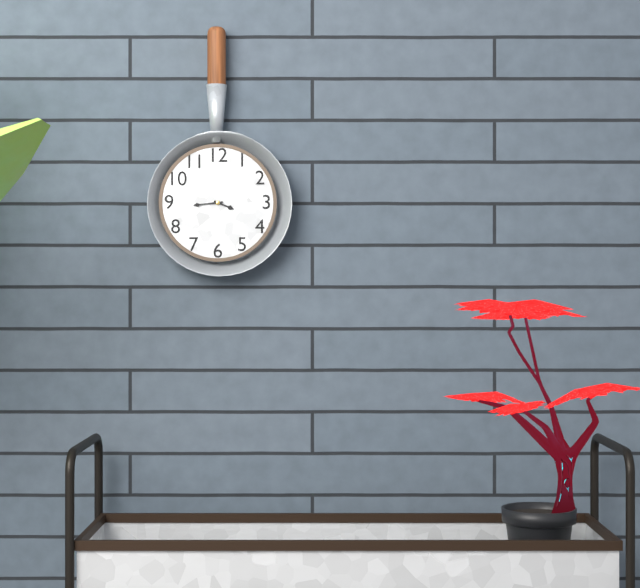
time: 3:44
